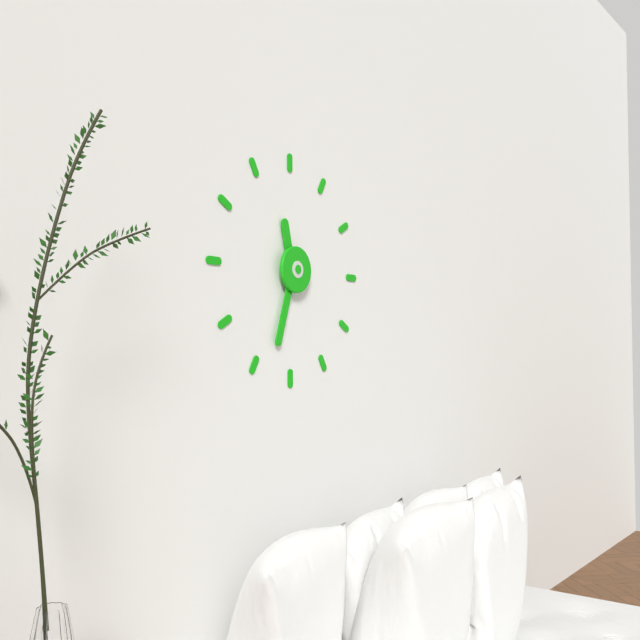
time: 11:33
